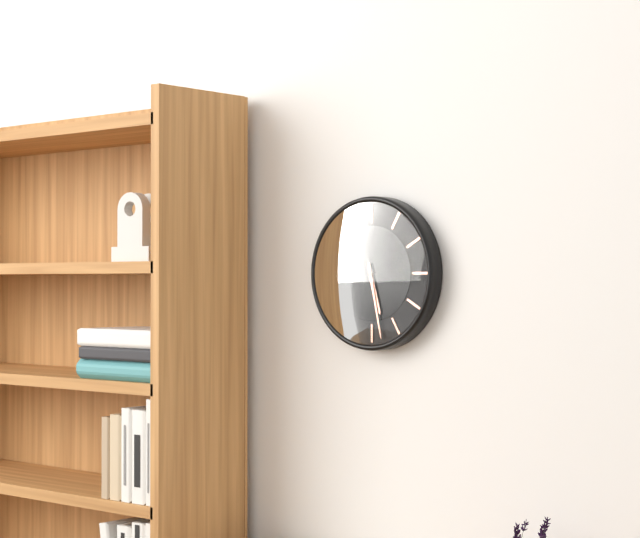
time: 5:28
